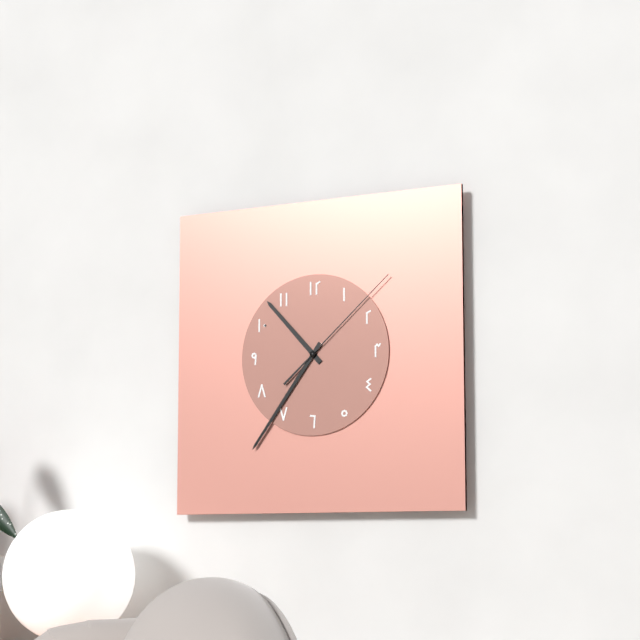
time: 10:36:08
